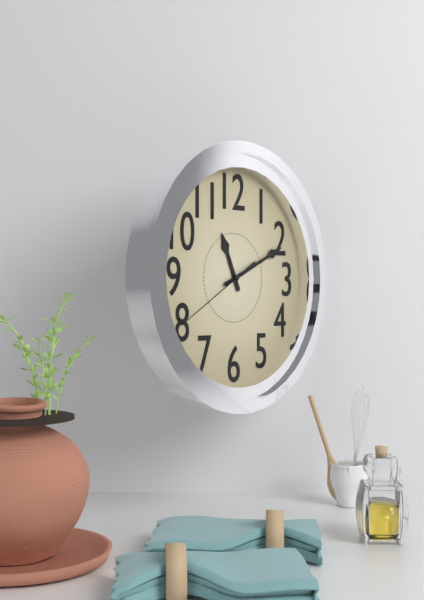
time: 11:11:40
